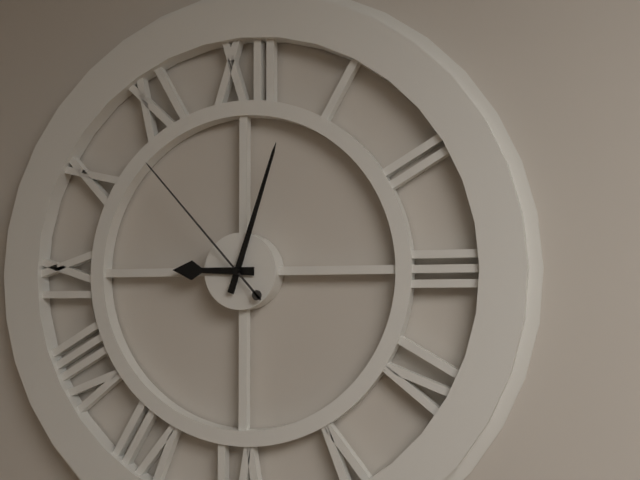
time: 9:03:53
